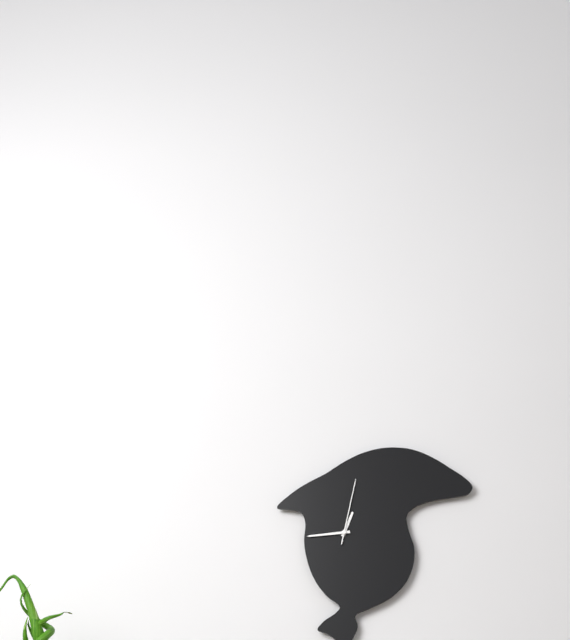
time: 12:44:02
